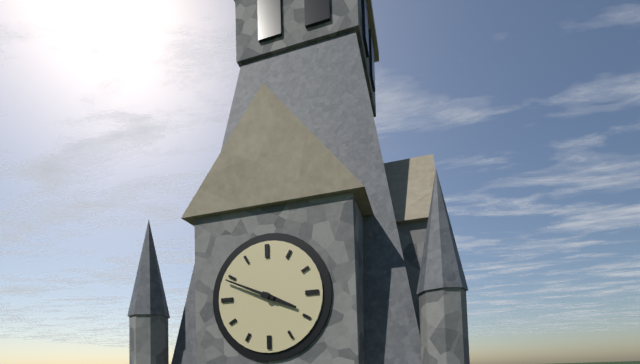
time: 3:49
